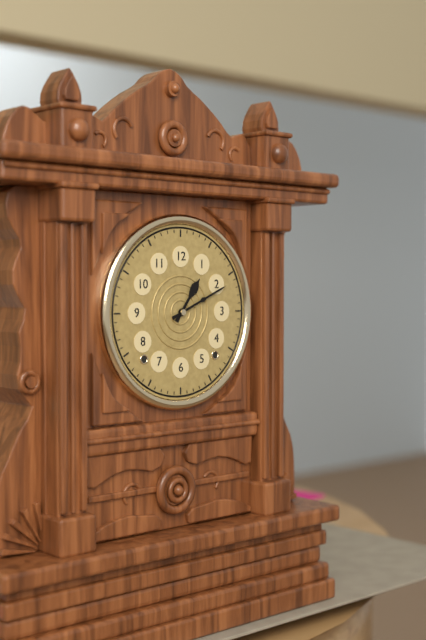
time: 1:11
